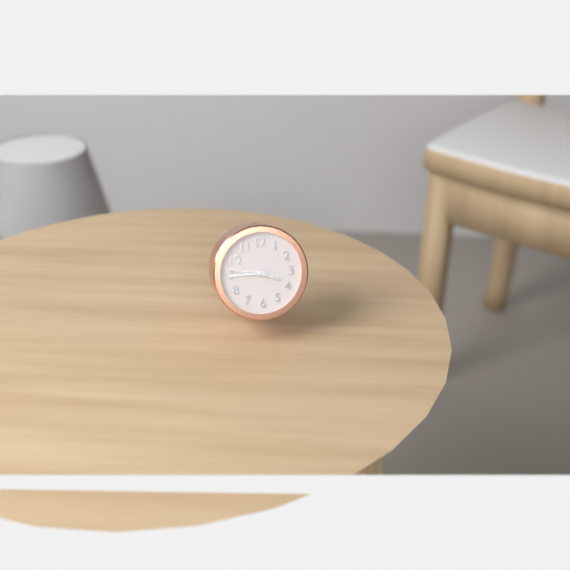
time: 3:45
